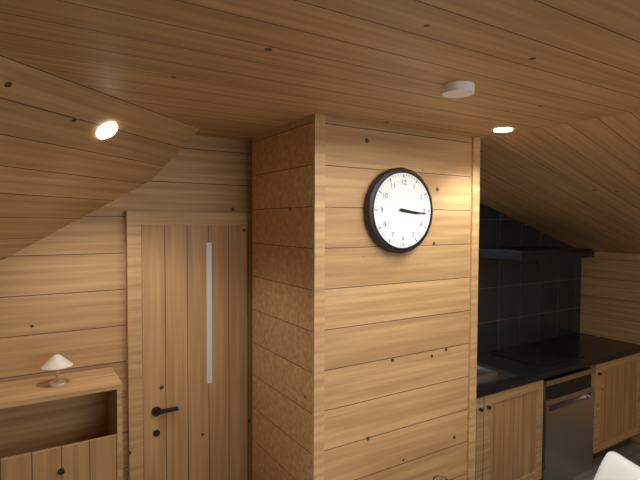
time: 3:16
